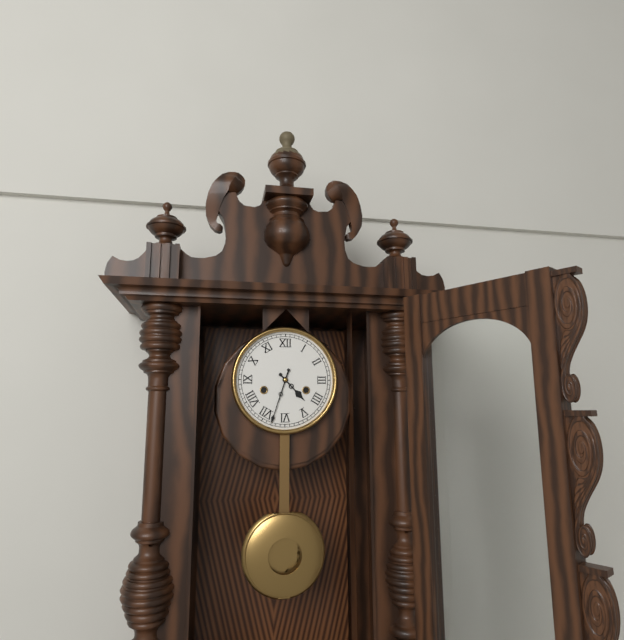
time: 4:33
